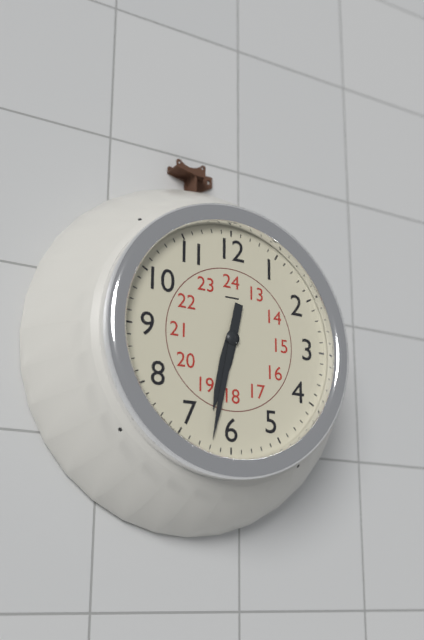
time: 6:32
